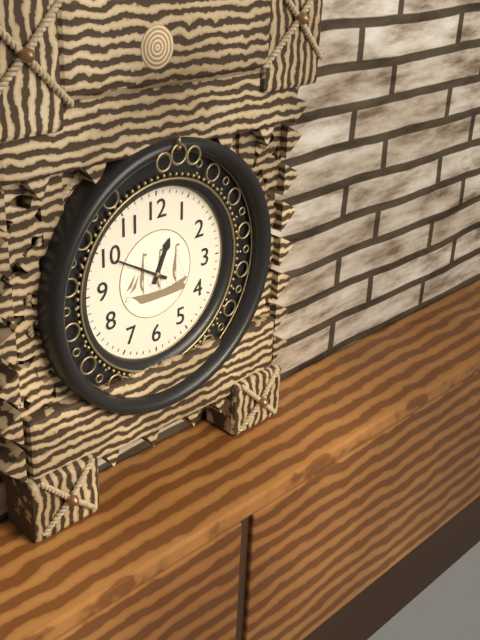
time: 12:50
